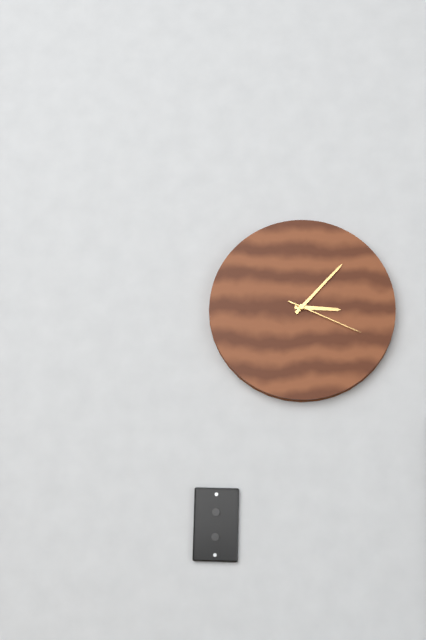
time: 3:07:19
